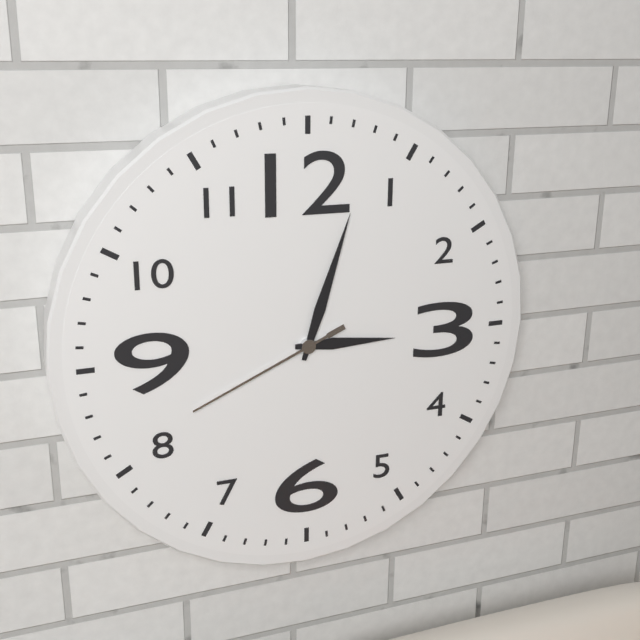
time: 3:03:41
